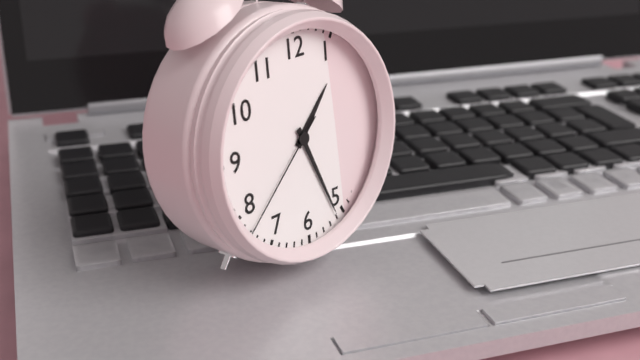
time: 1:26:38
